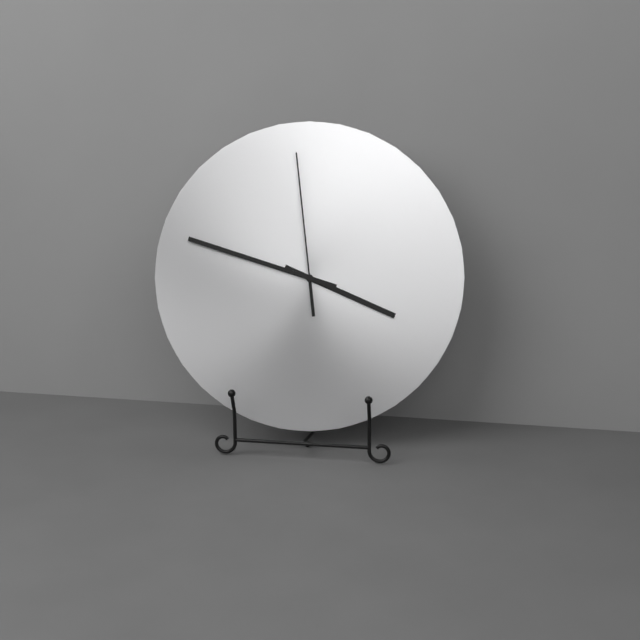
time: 3:48:59
